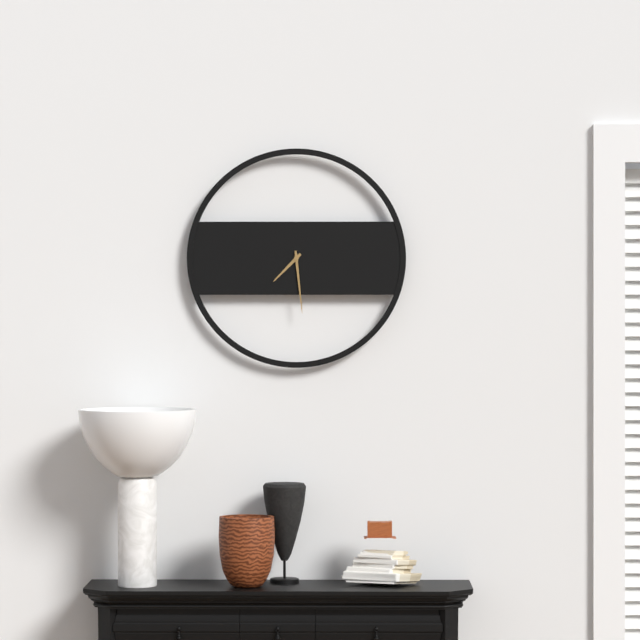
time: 7:29
